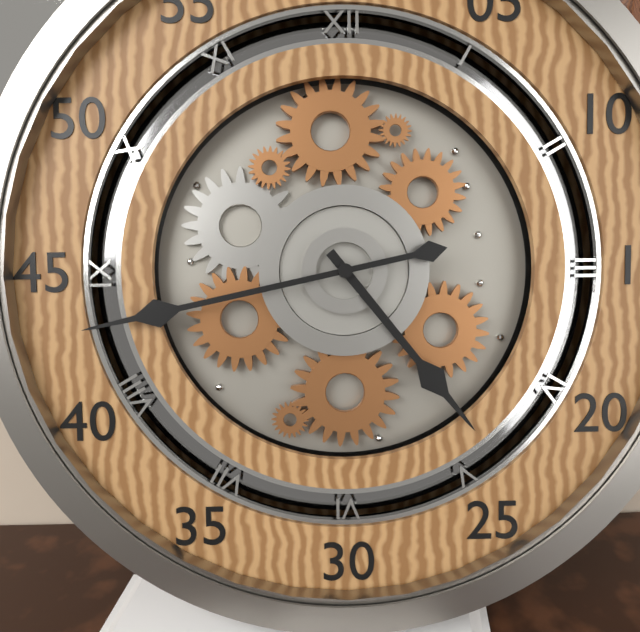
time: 4:43
